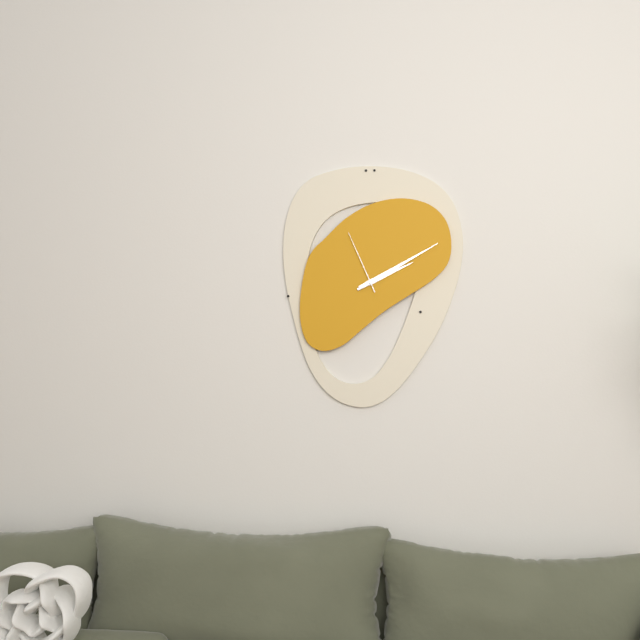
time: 2:10:56
